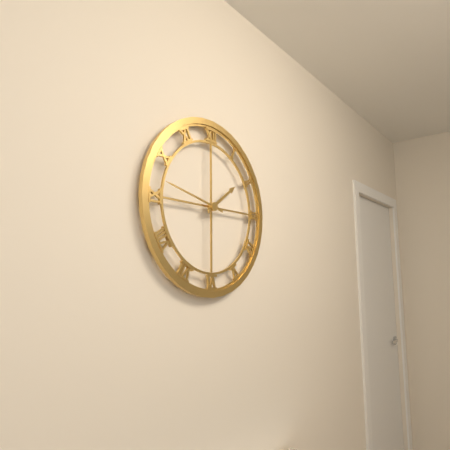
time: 1:47
